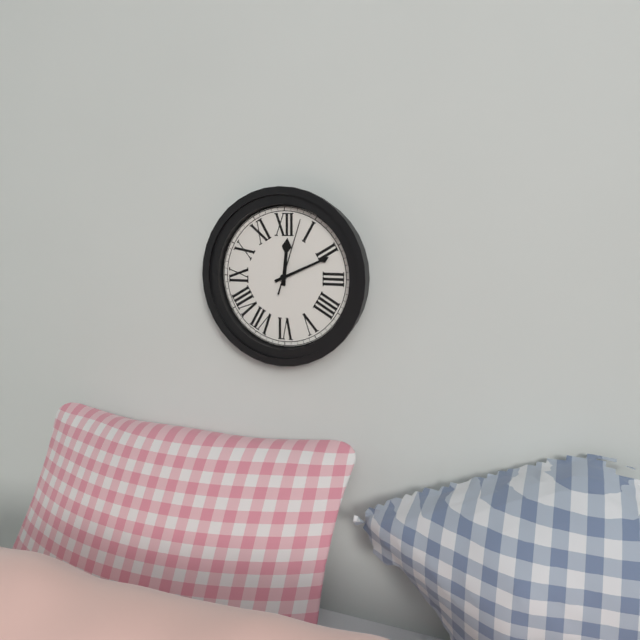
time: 12:11:03
